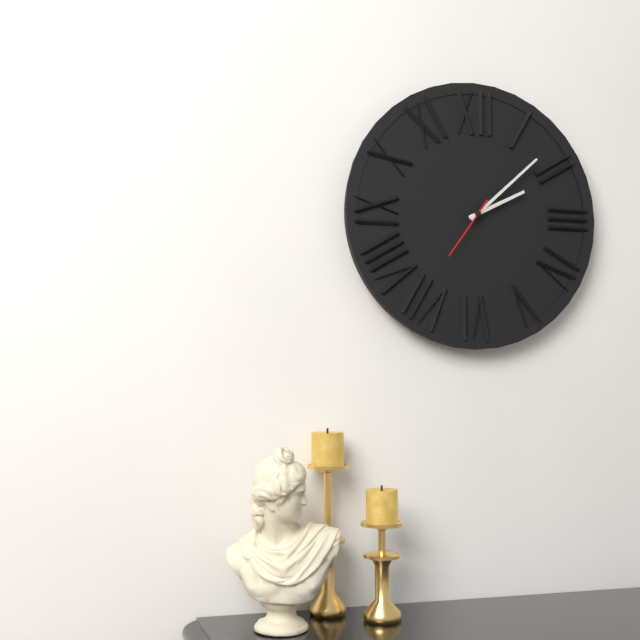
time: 2:08:36
